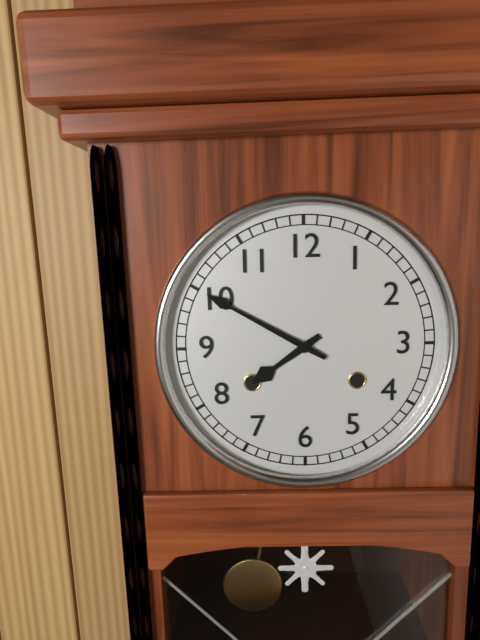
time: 7:50
